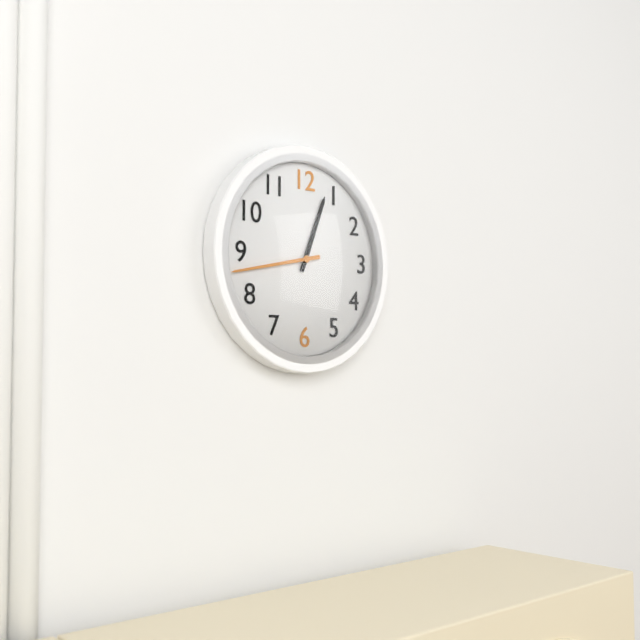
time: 12:43
